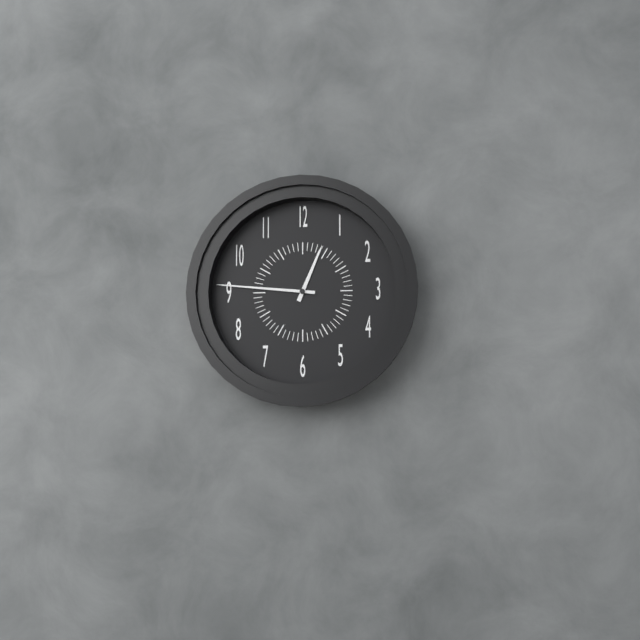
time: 12:46
